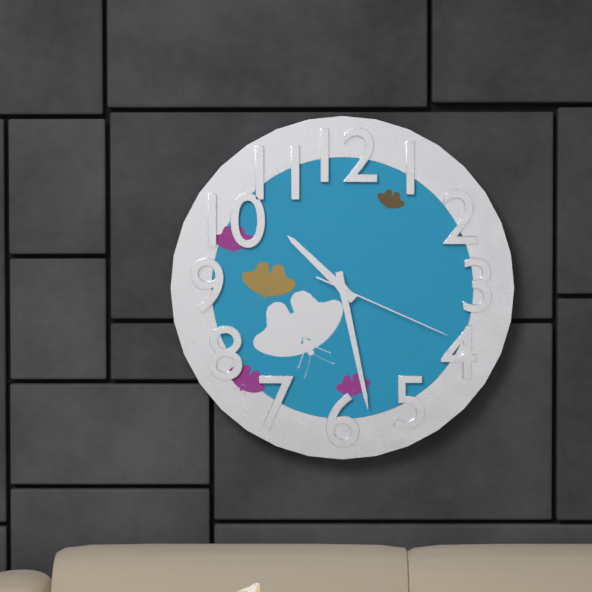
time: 10:28:19
